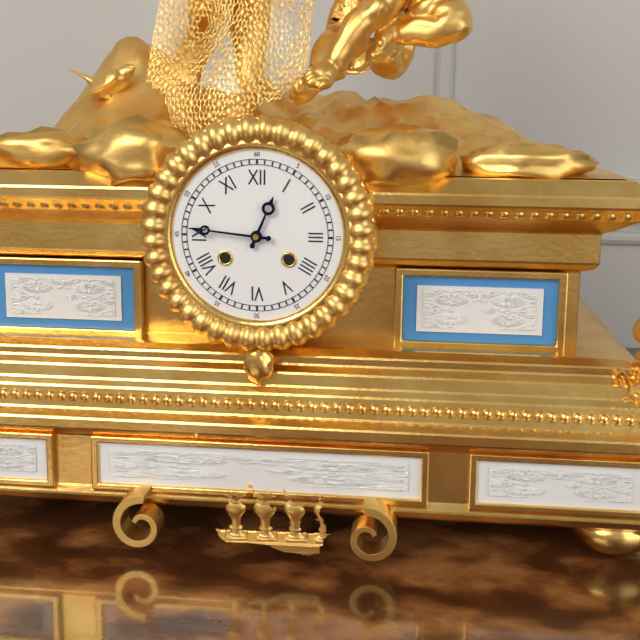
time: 12:46
